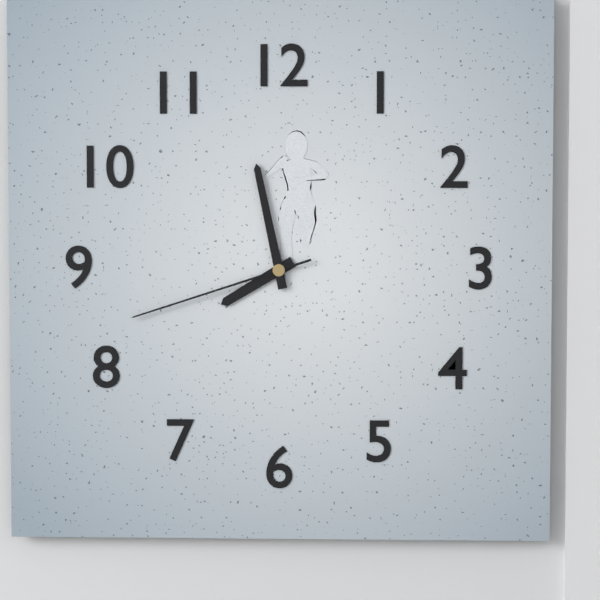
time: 7:58:42
